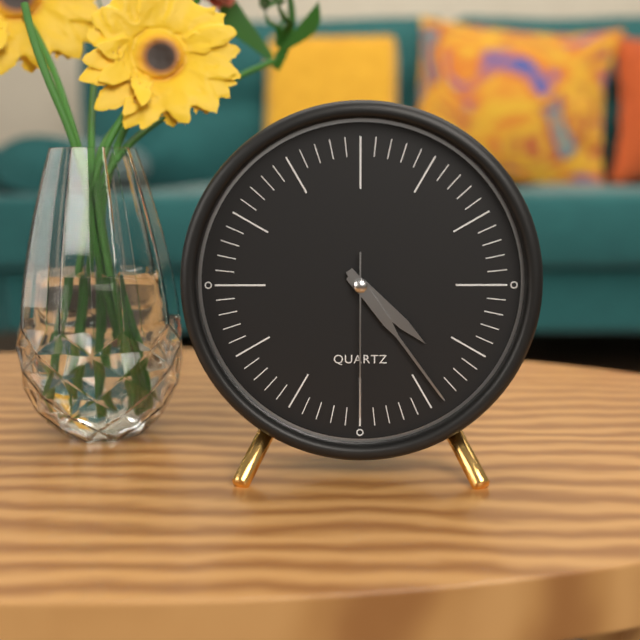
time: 4:24:30
